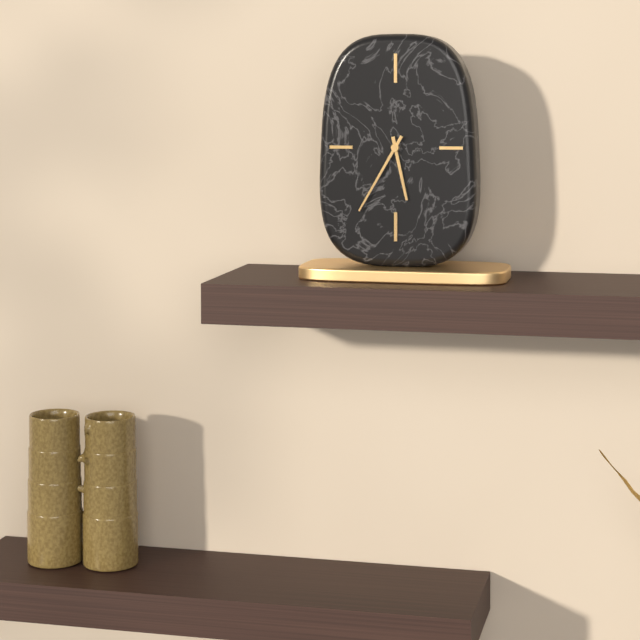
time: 5:35
